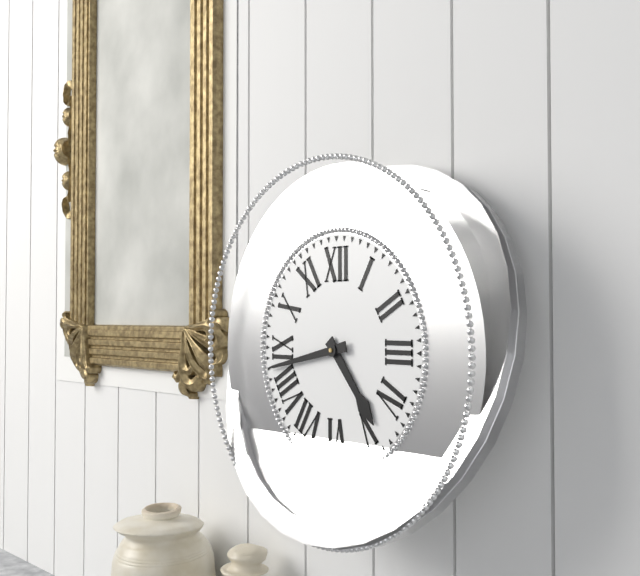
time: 4:43
